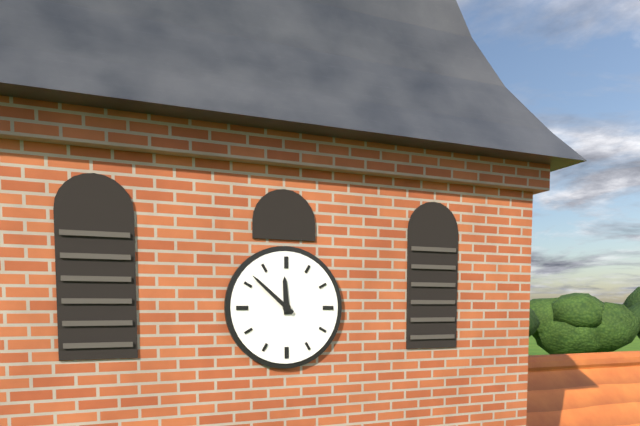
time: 11:52
